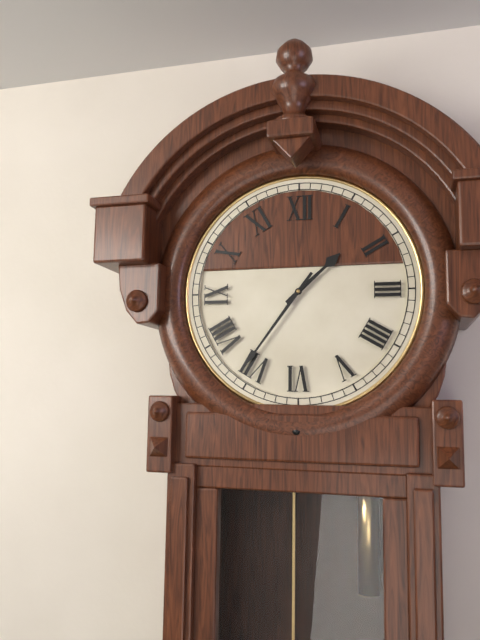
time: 1:36
